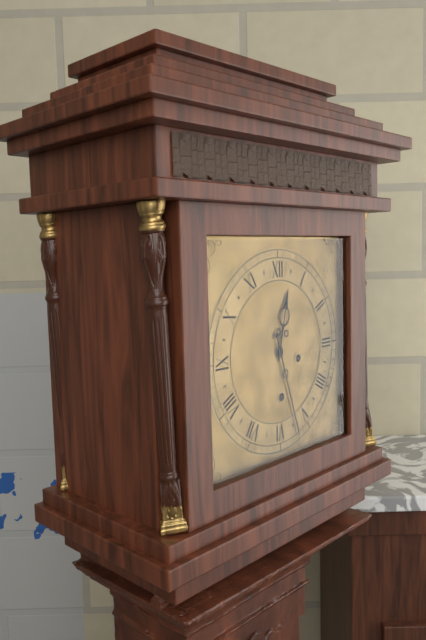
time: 12:27
